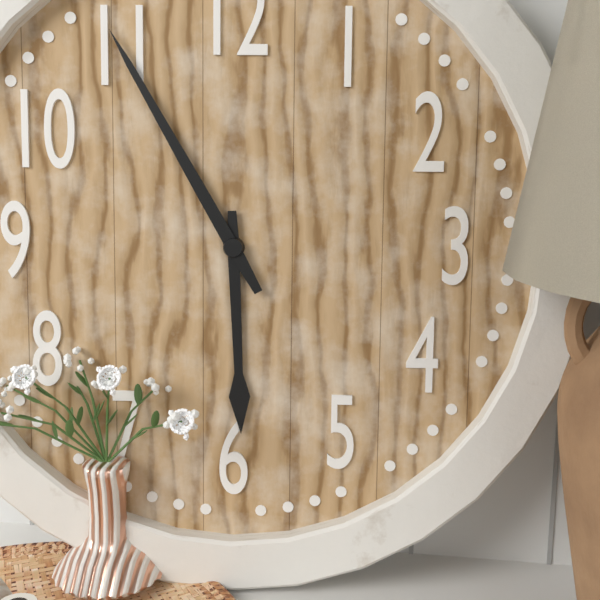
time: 5:55
